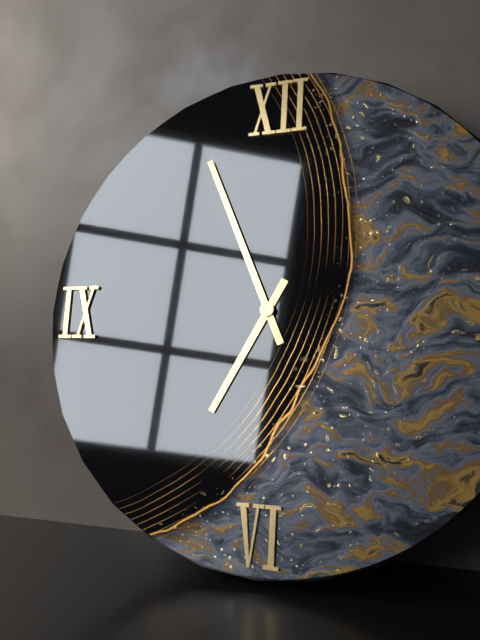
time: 6:56
